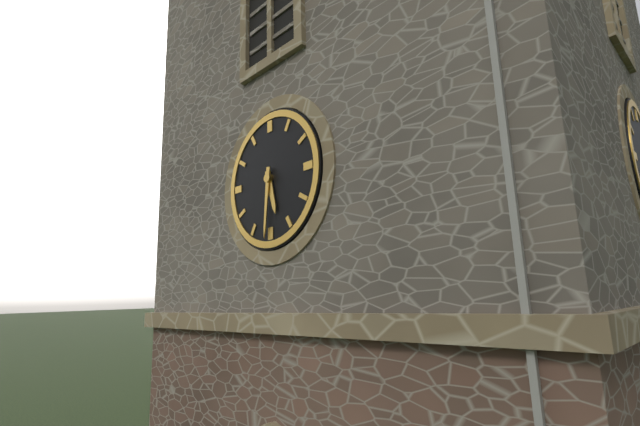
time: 5:31
